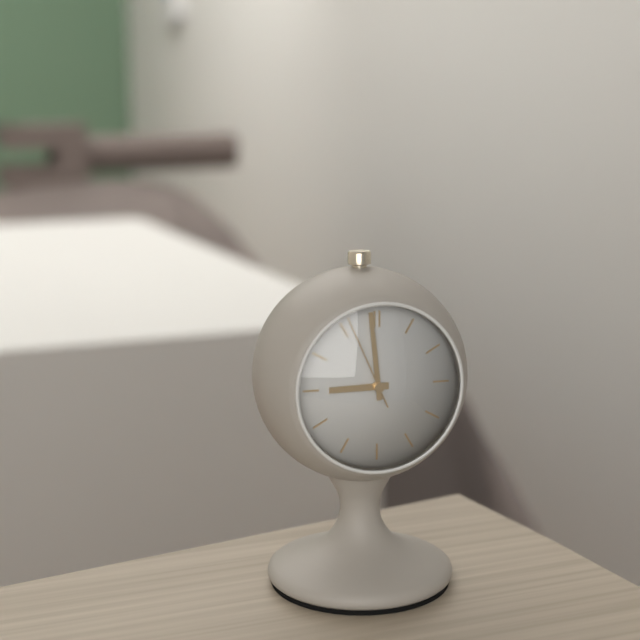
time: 8:59:56
